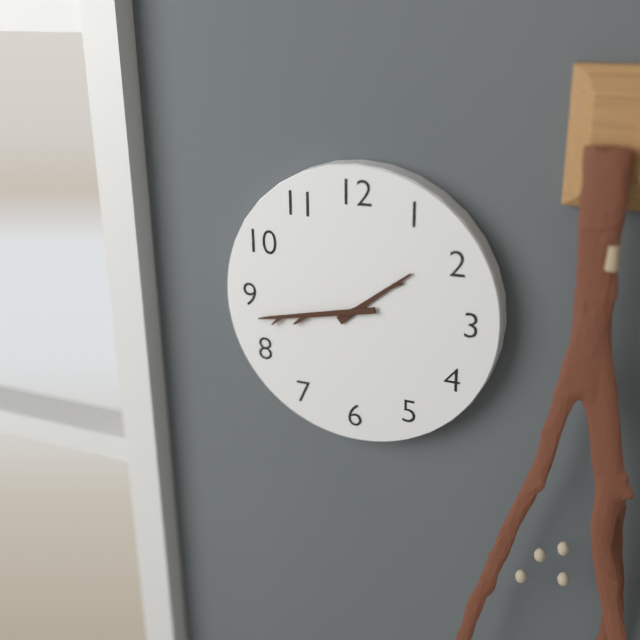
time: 1:43
